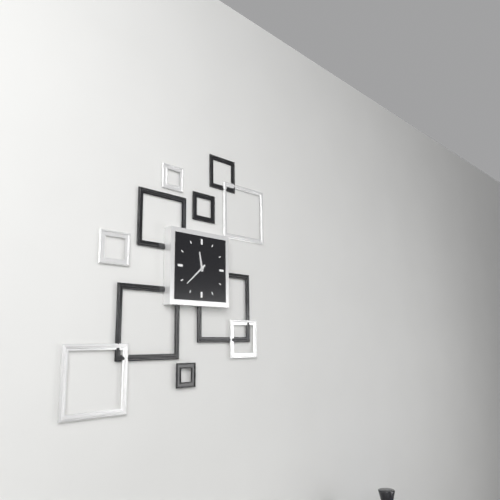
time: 11:38
